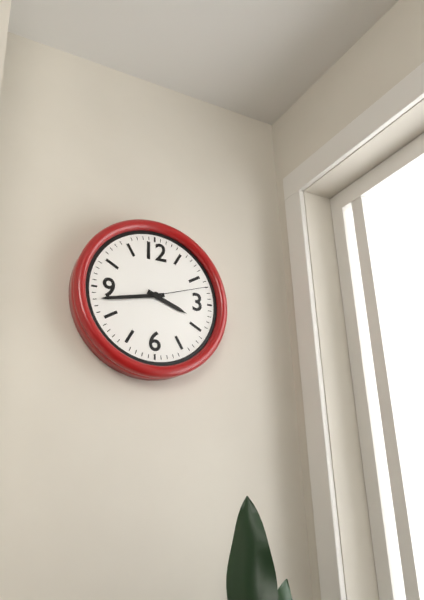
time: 3:43:12
